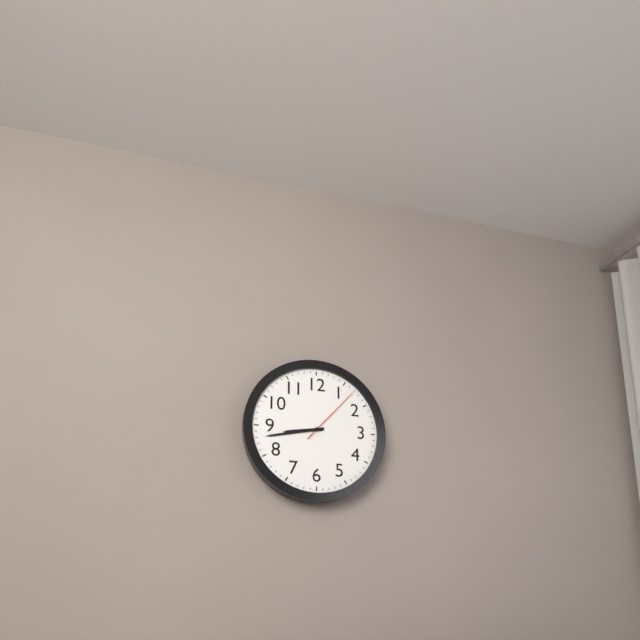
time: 8:43:07
